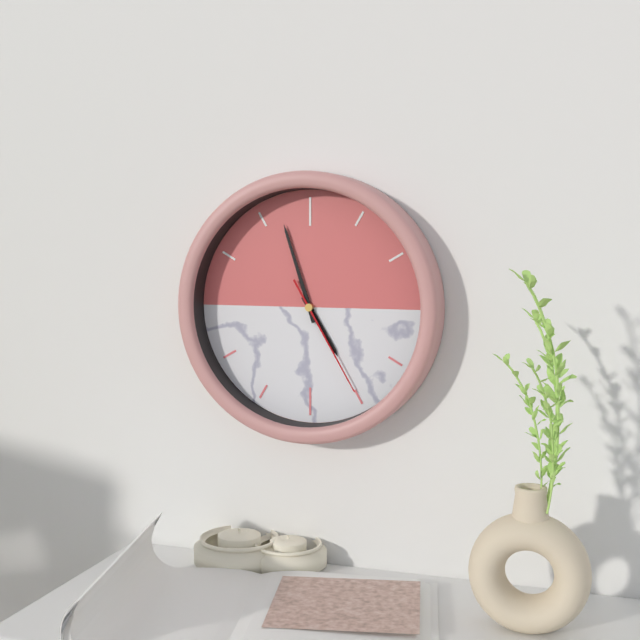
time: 4:57:25
